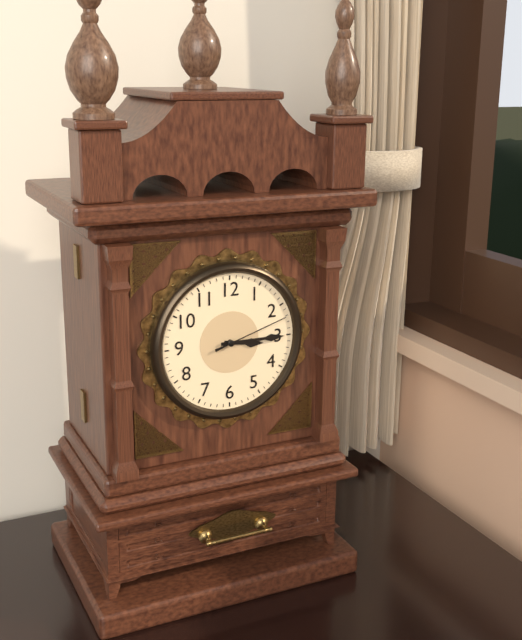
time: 3:15:12
